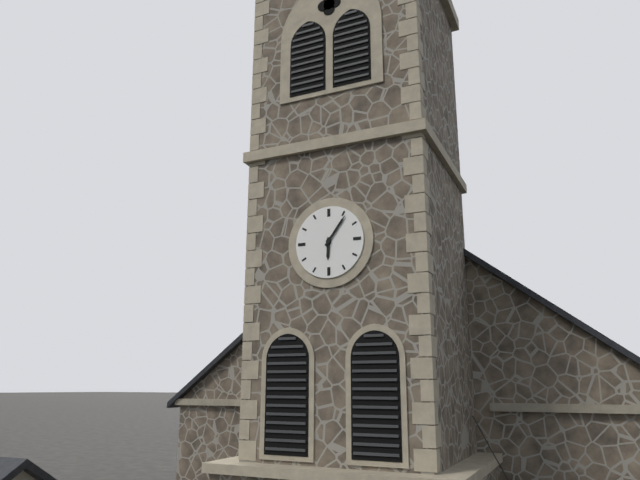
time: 6:06
